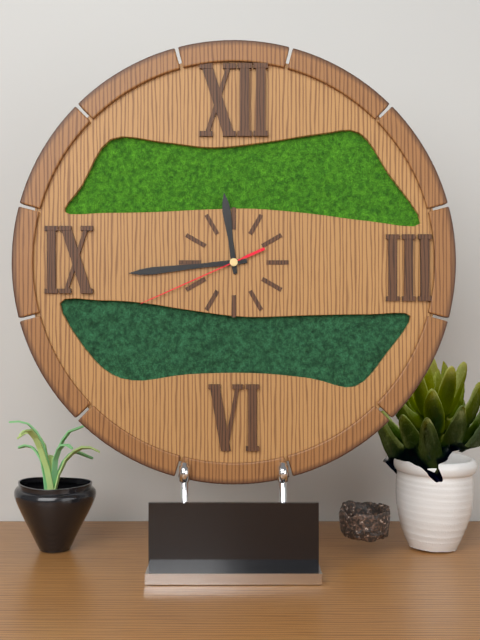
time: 11:44:41
